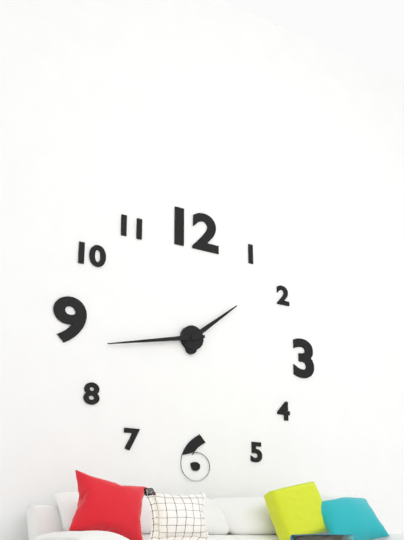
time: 1:43
